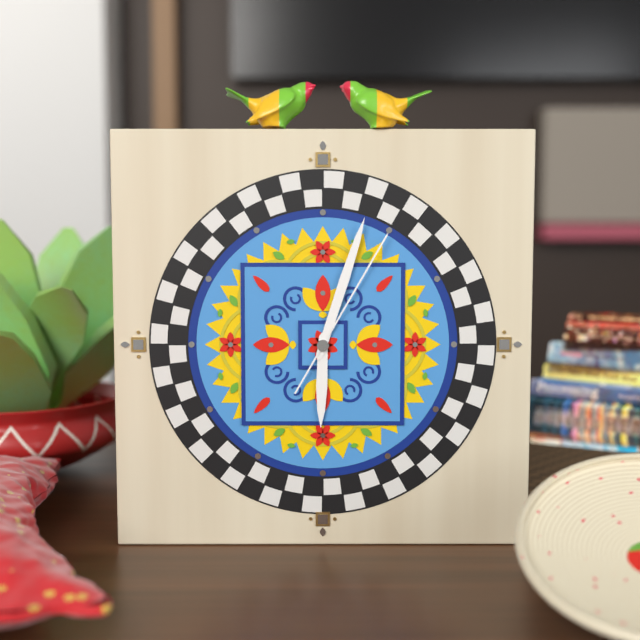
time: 6:03:05
